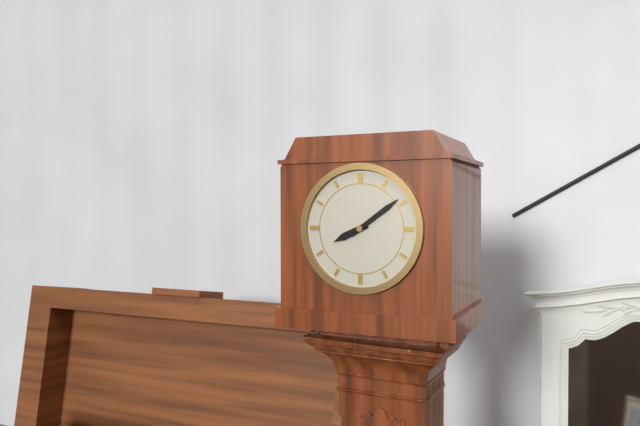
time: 8:09
